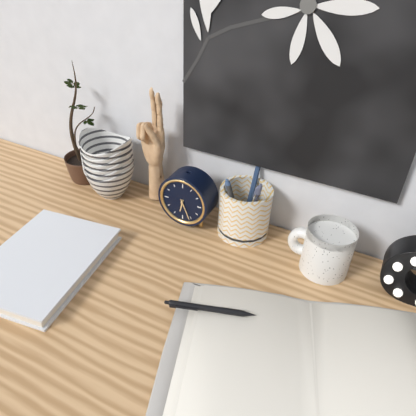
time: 6:26
